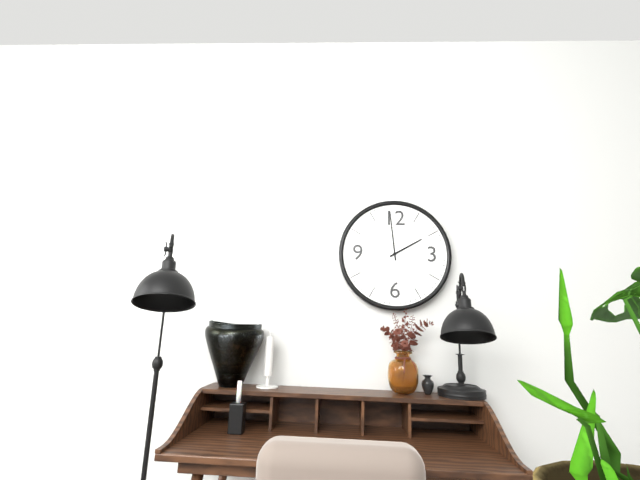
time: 1:59
